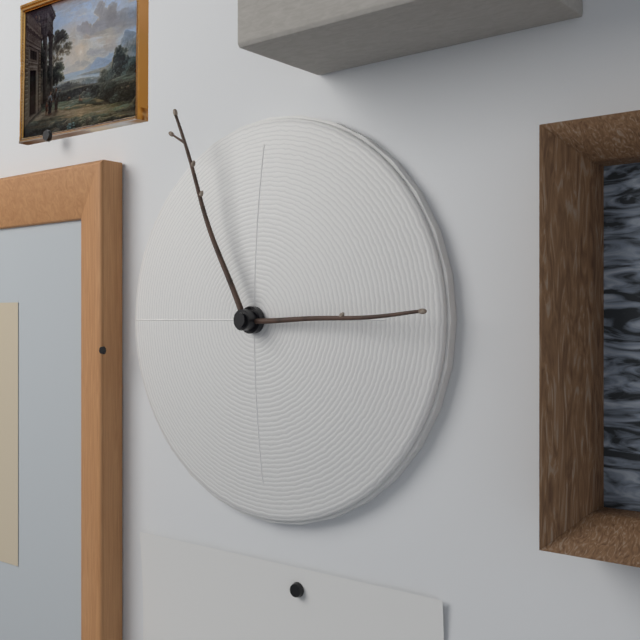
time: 2:56
